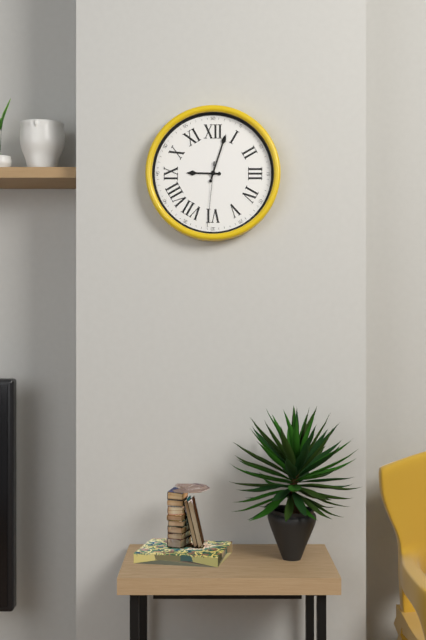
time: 9:03:31
